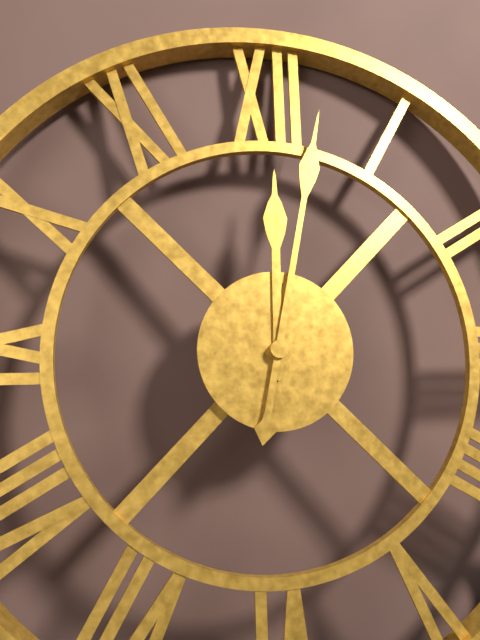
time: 12:02
